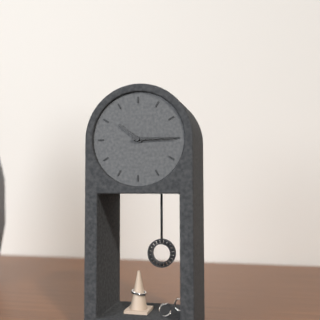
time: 10:15
